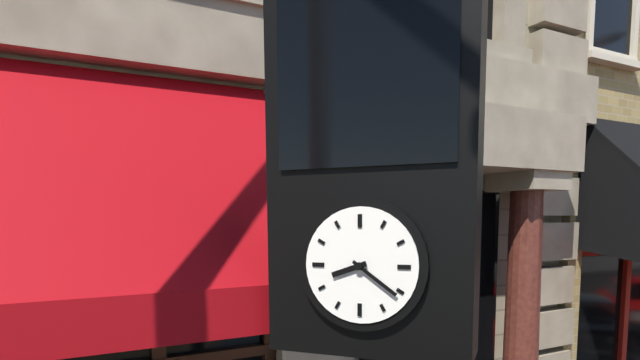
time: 8:21
